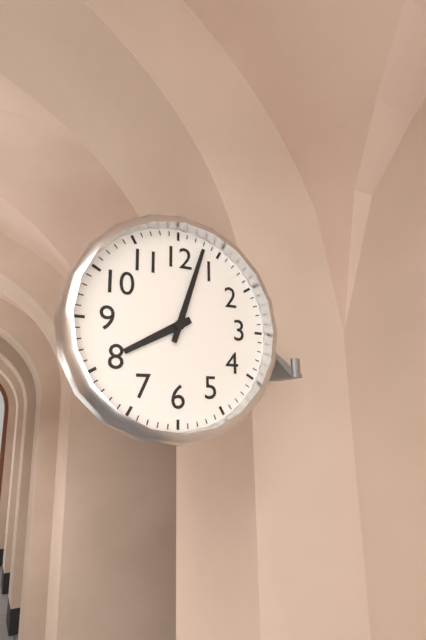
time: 8:03
